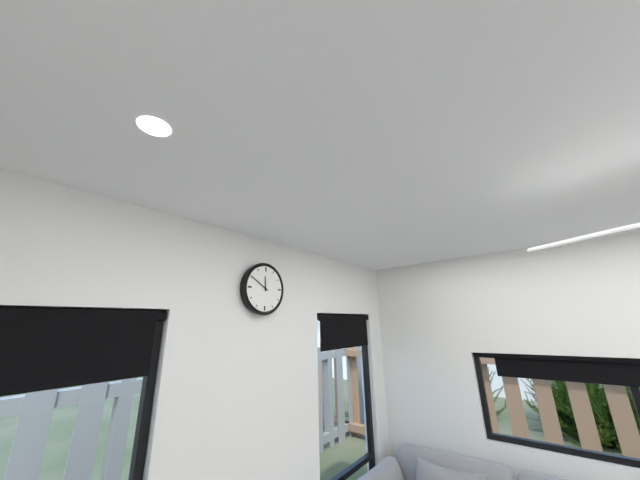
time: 11:50
